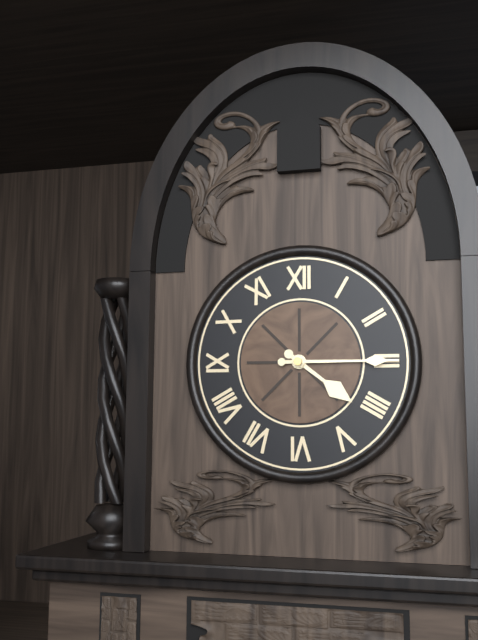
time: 4:15
